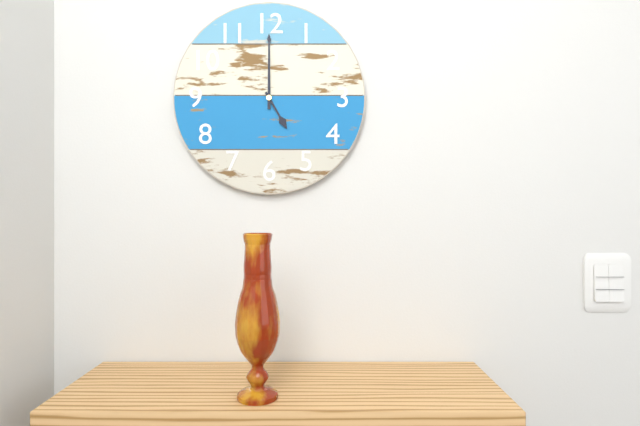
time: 5:00
